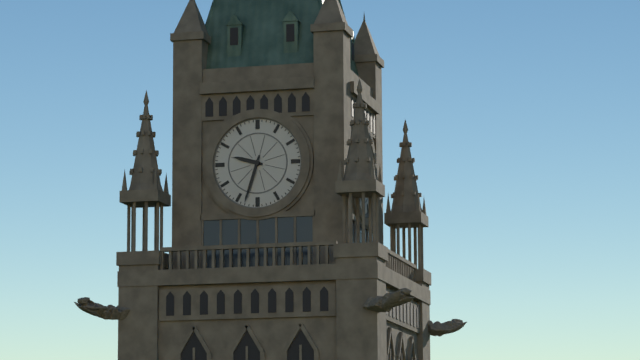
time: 9:33
